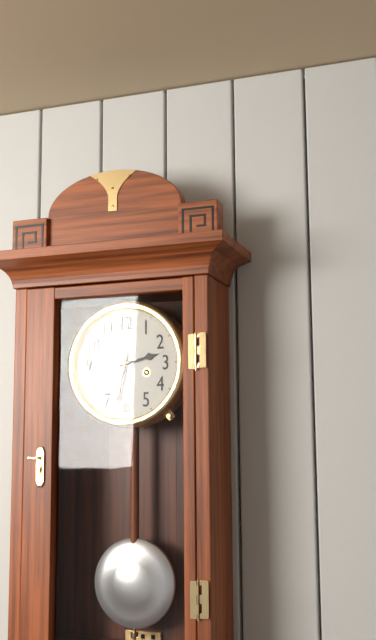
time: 2:32
